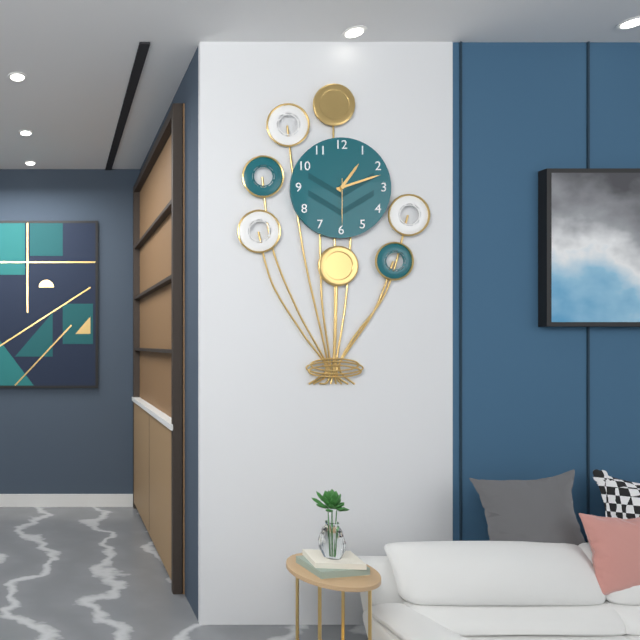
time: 1:12
